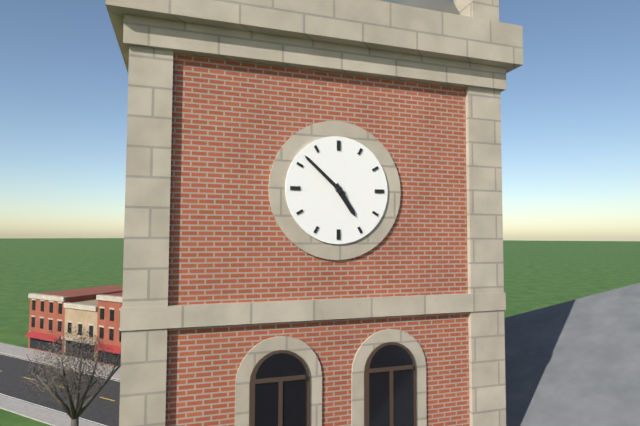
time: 4:52
